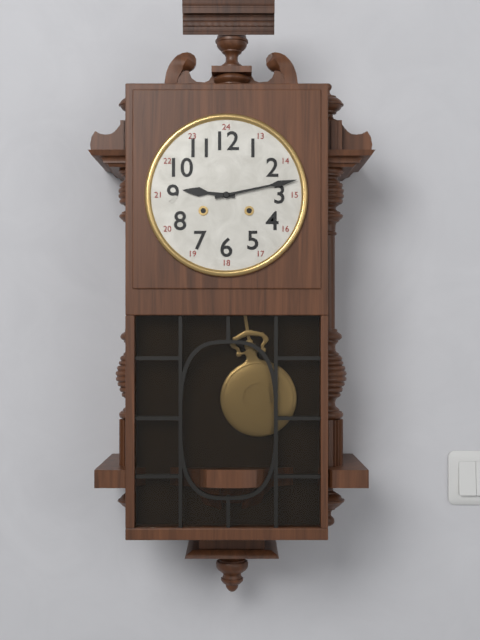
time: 9:13
